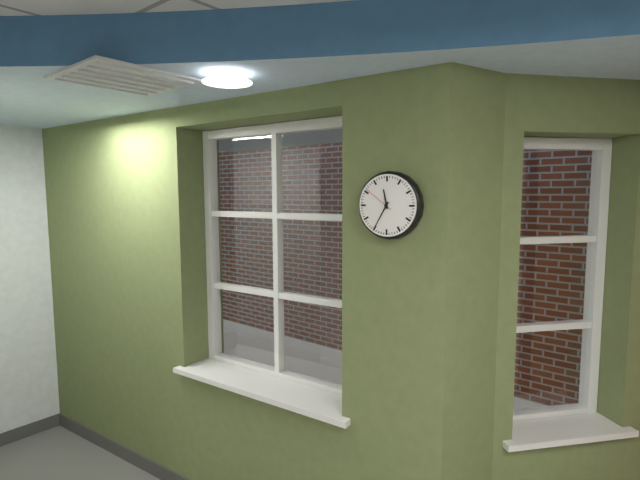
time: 11:35
